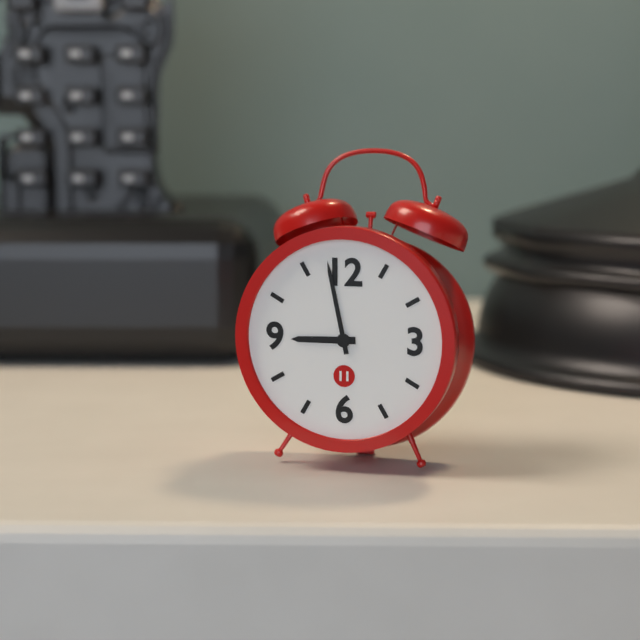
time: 8:58
